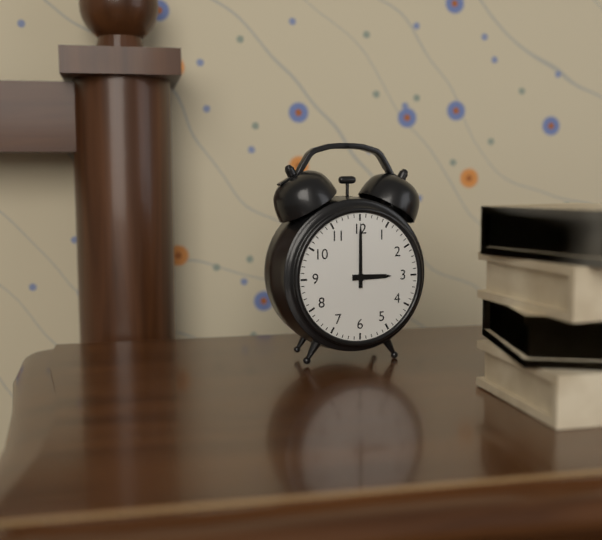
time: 3:00
